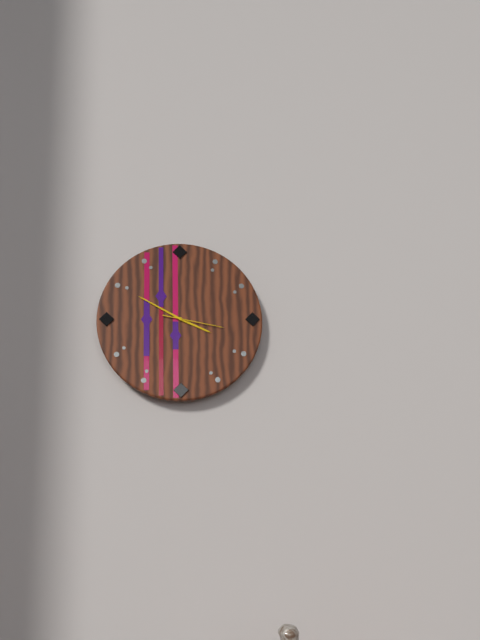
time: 3:50:17
